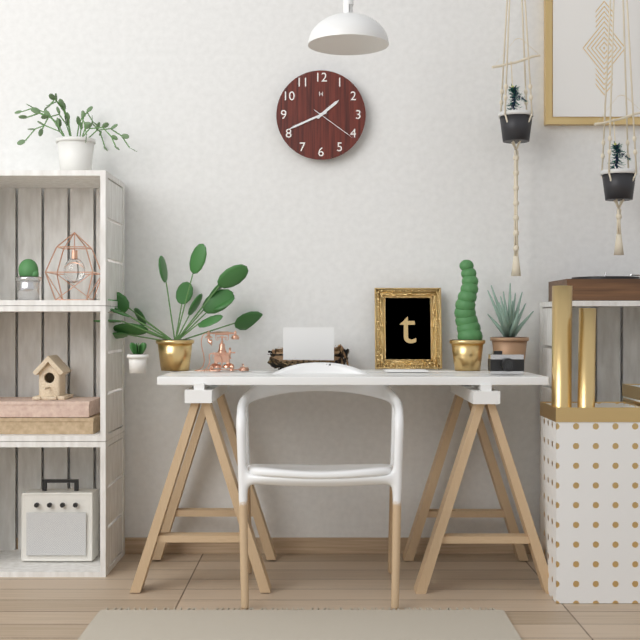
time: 1:41
